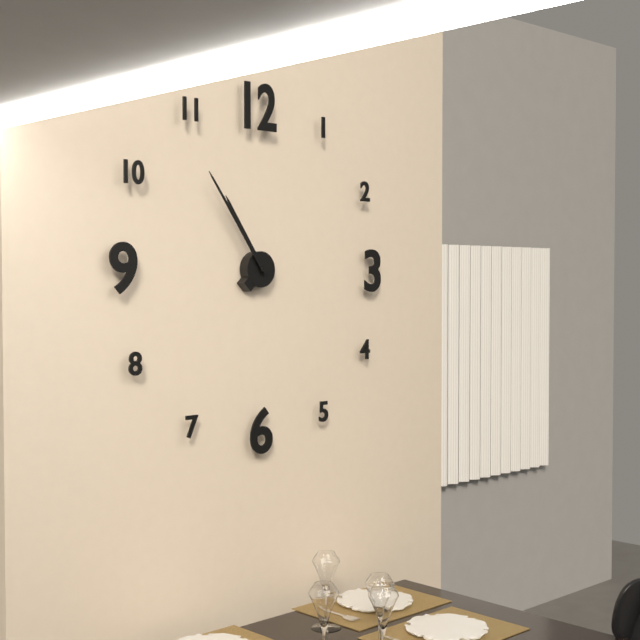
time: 10:54
